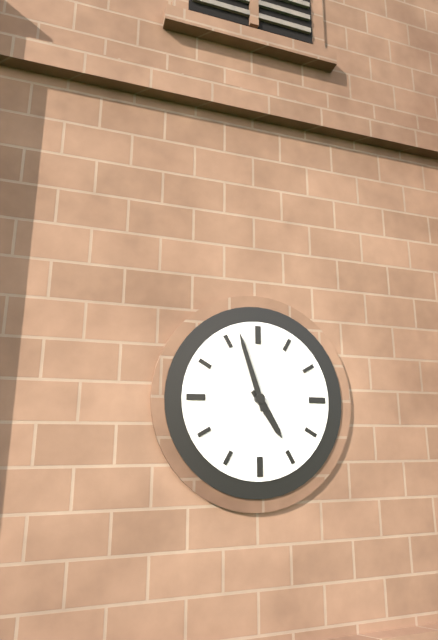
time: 4:57
